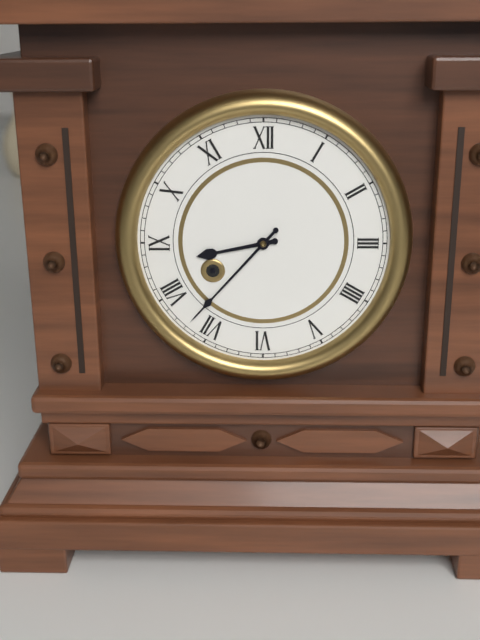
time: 8:37
